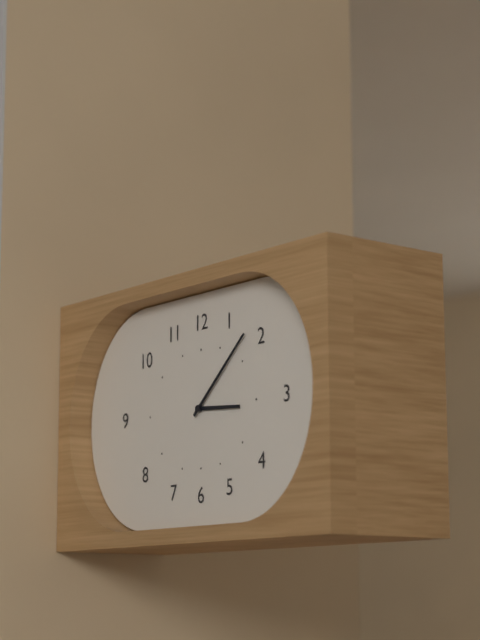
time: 3:08
